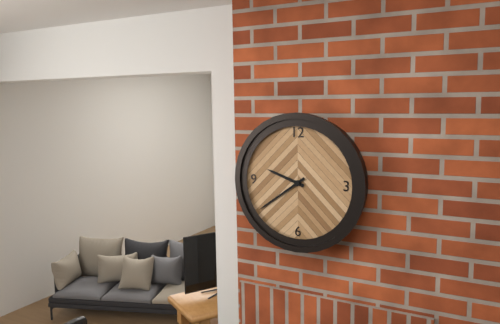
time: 9:39
